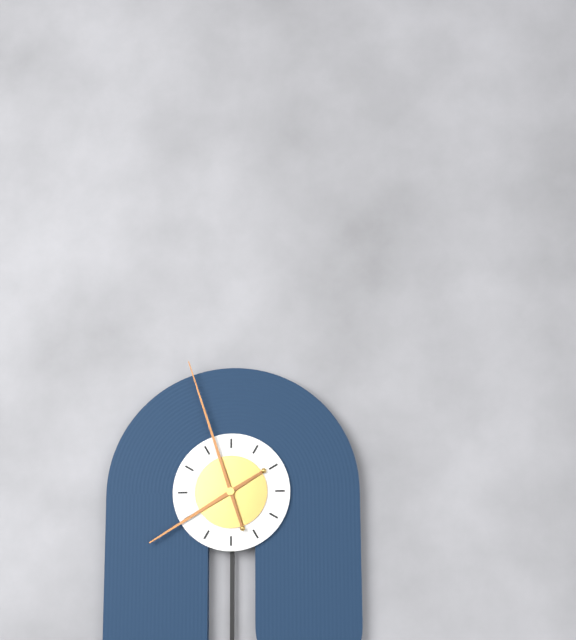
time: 7:57
